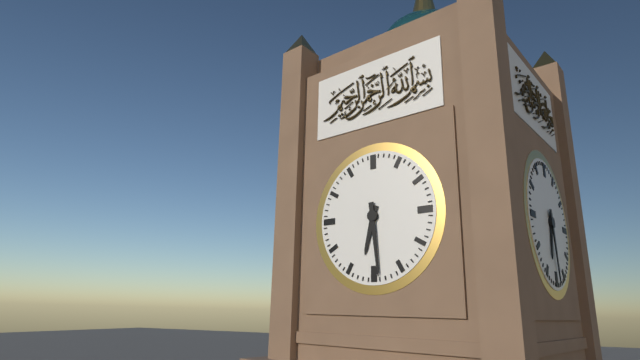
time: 6:29
